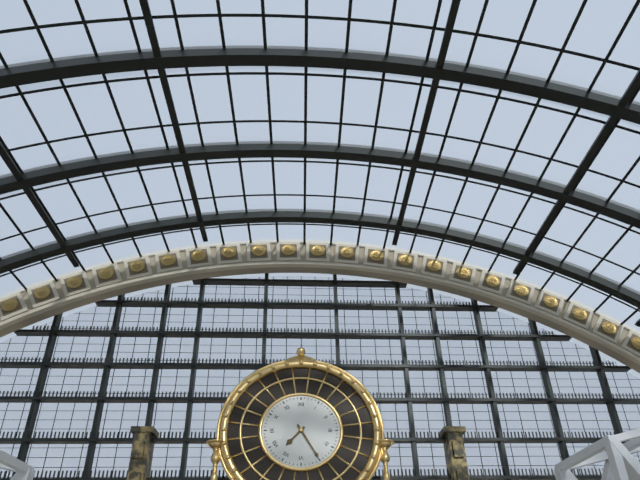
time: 7:25
